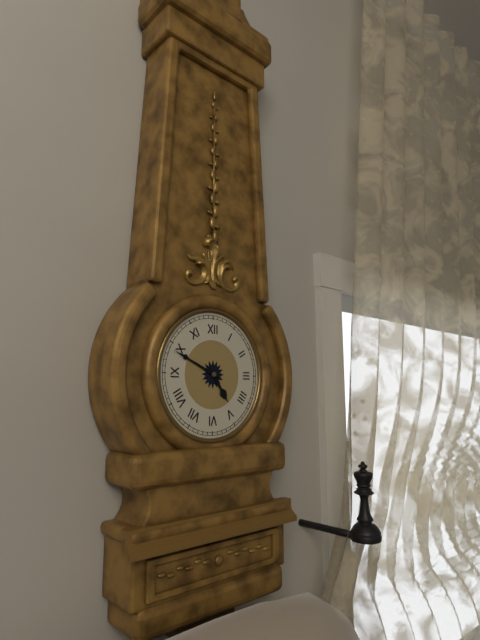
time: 4:49
